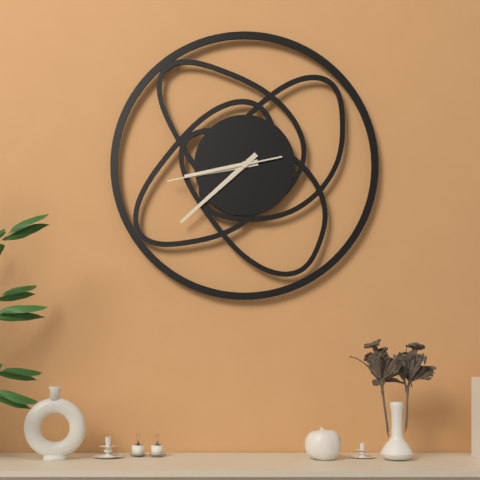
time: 8:38:43
